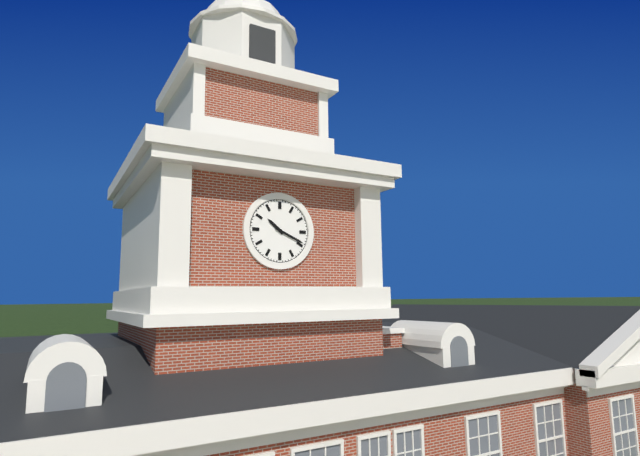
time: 10:19
